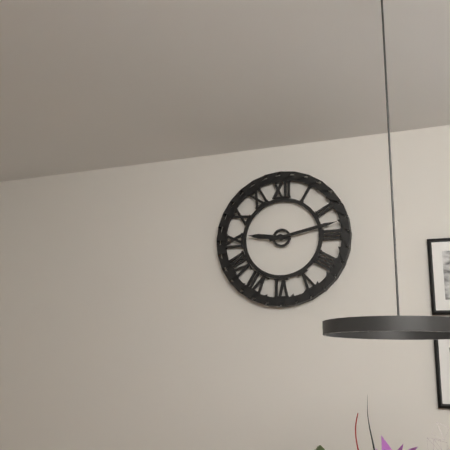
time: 9:13
